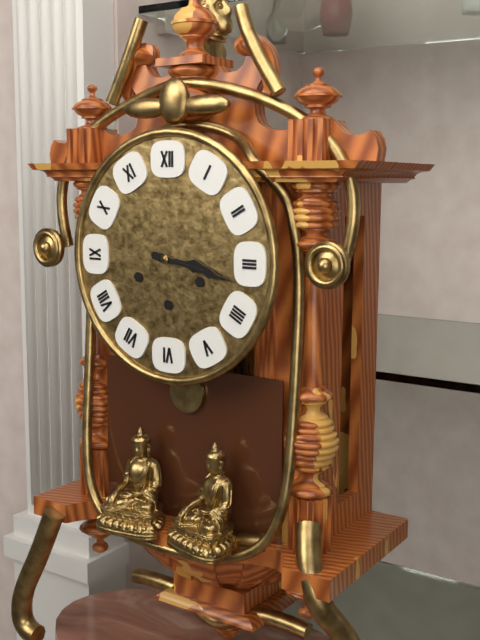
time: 3:17
